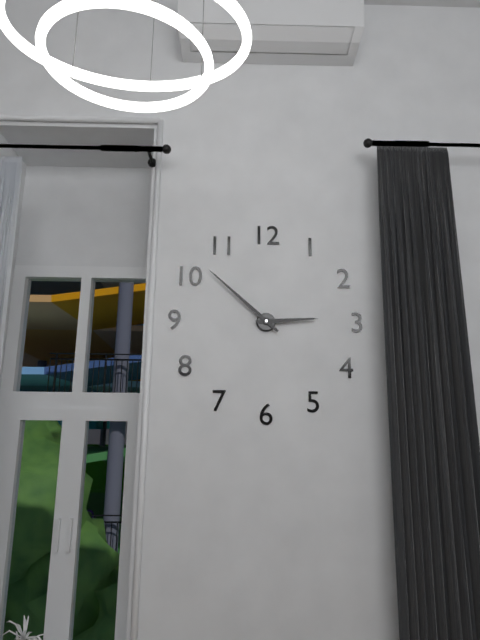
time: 2:52
